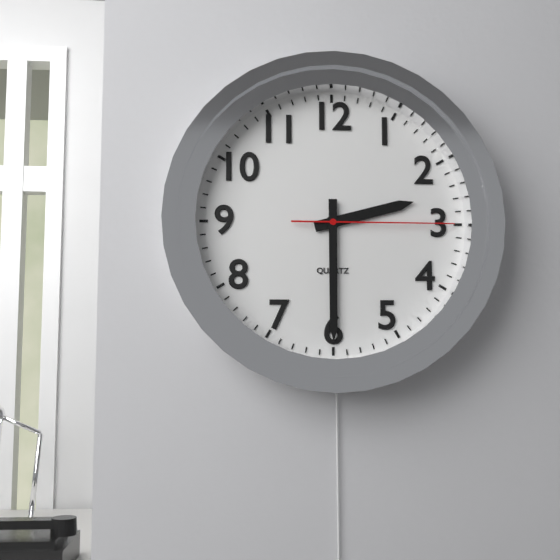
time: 2:30:15
